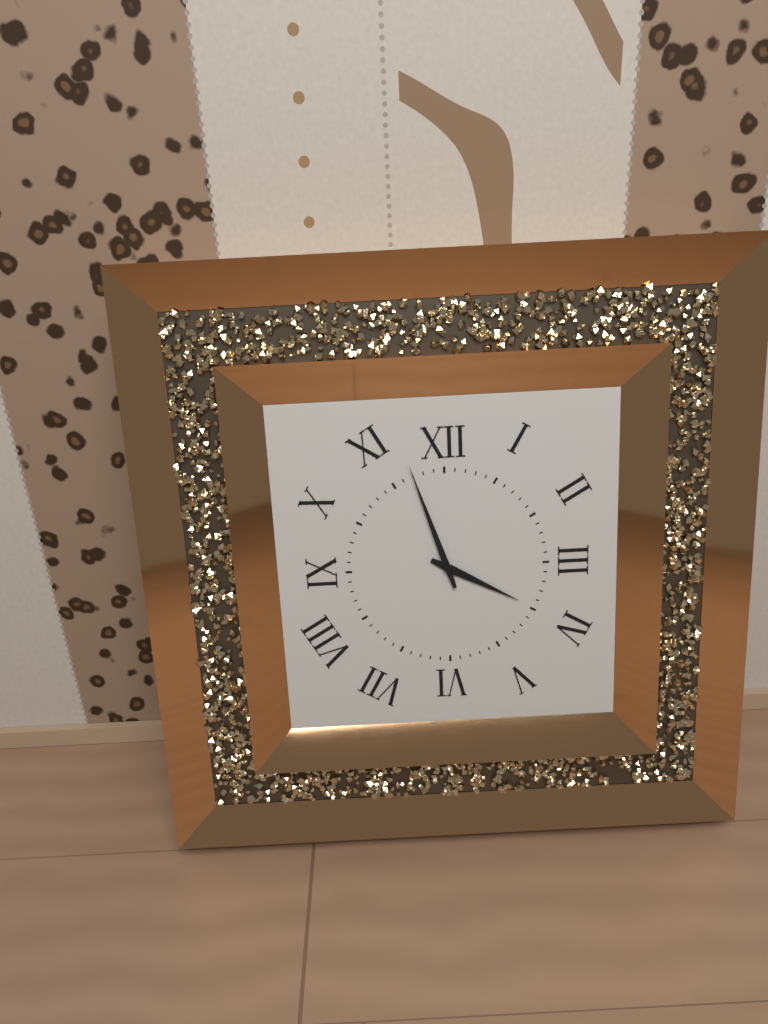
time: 3:57
